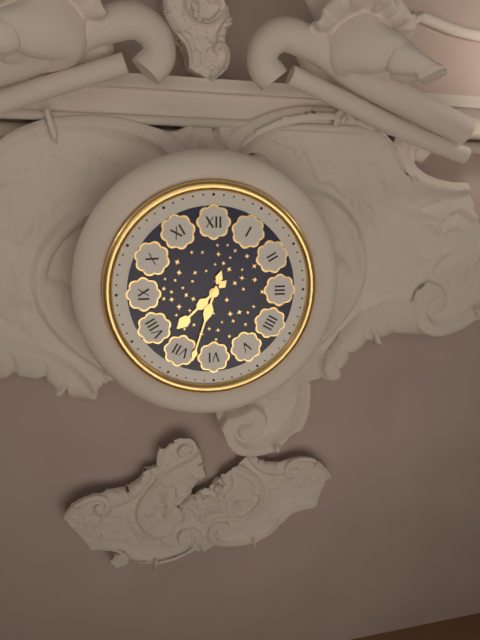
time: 7:33
